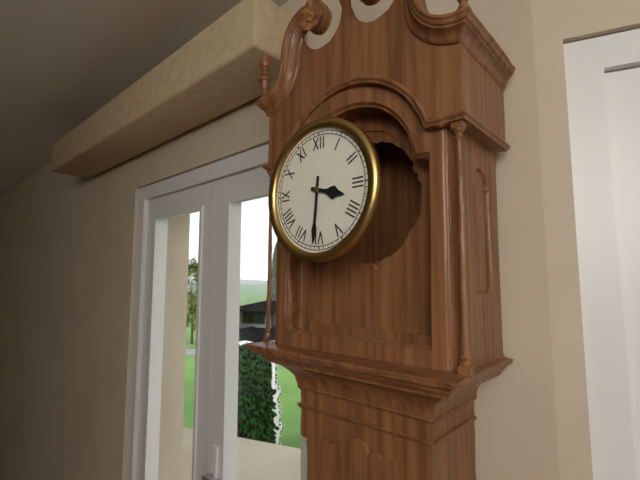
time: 3:31
